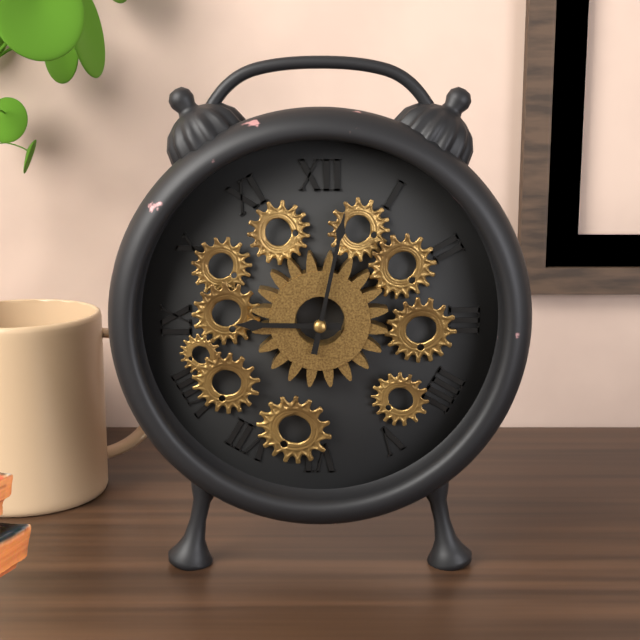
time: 9:02
